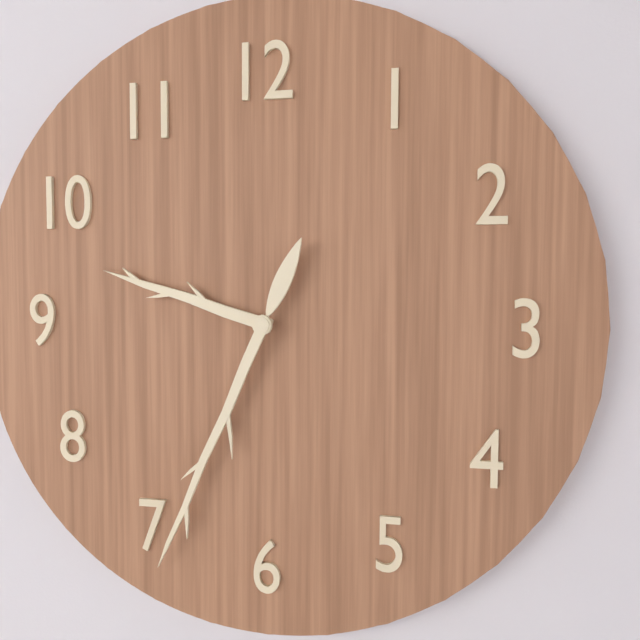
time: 9:34
